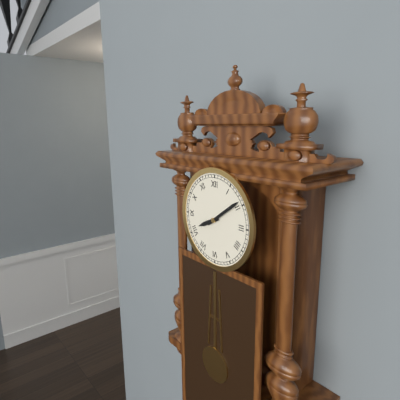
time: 8:09
